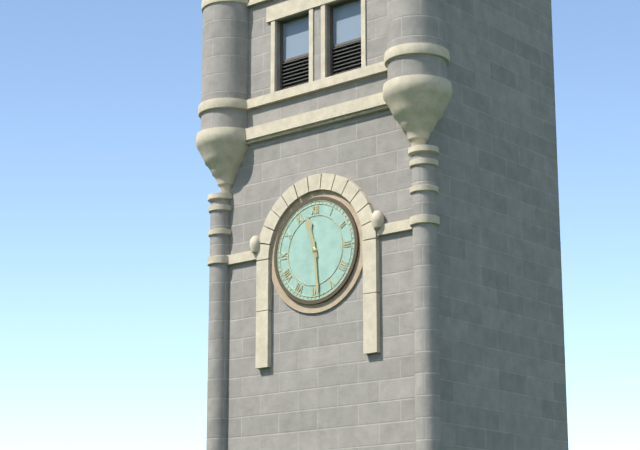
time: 11:29
